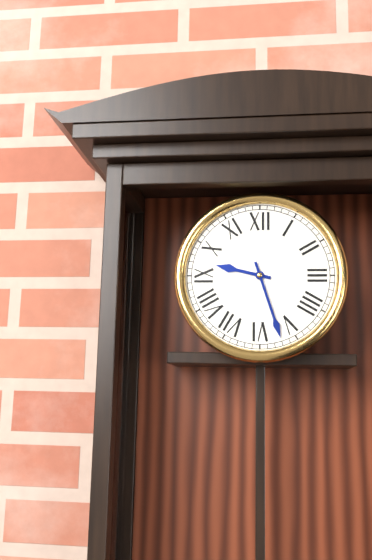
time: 9:27
